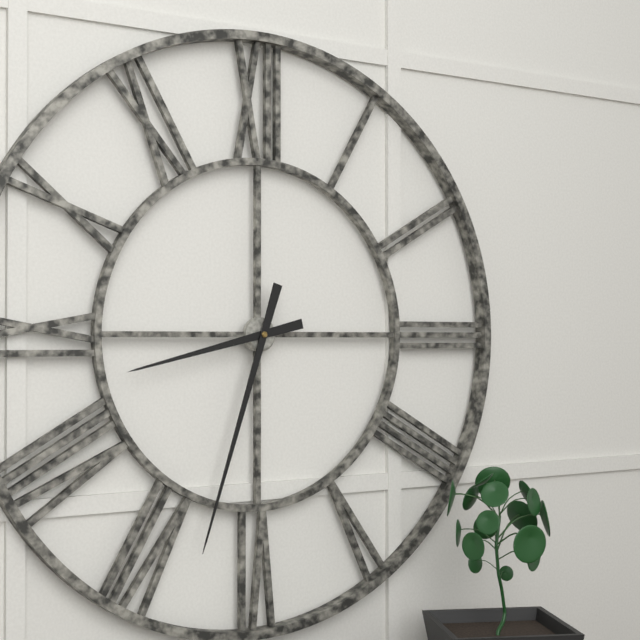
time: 8:33
